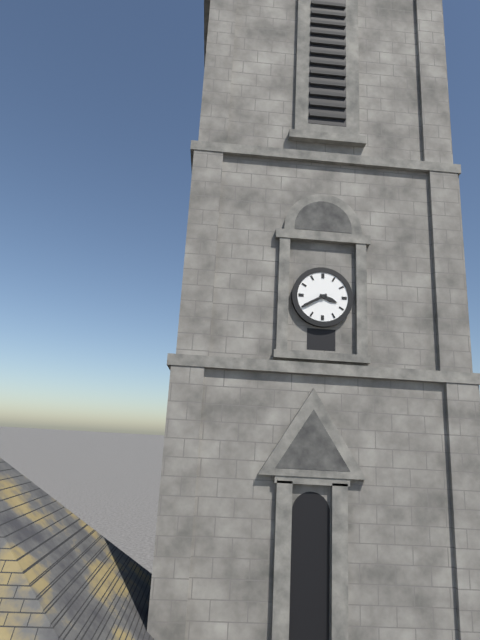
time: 3:40
